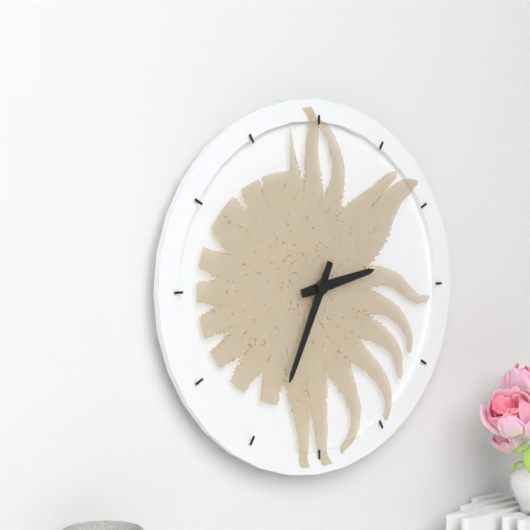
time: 2:34
